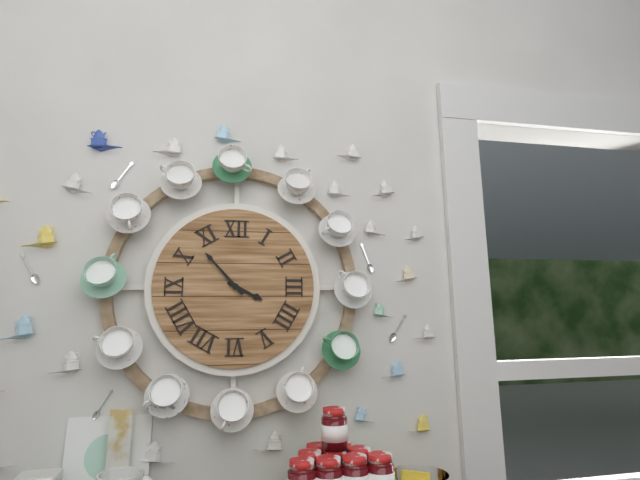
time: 3:53
